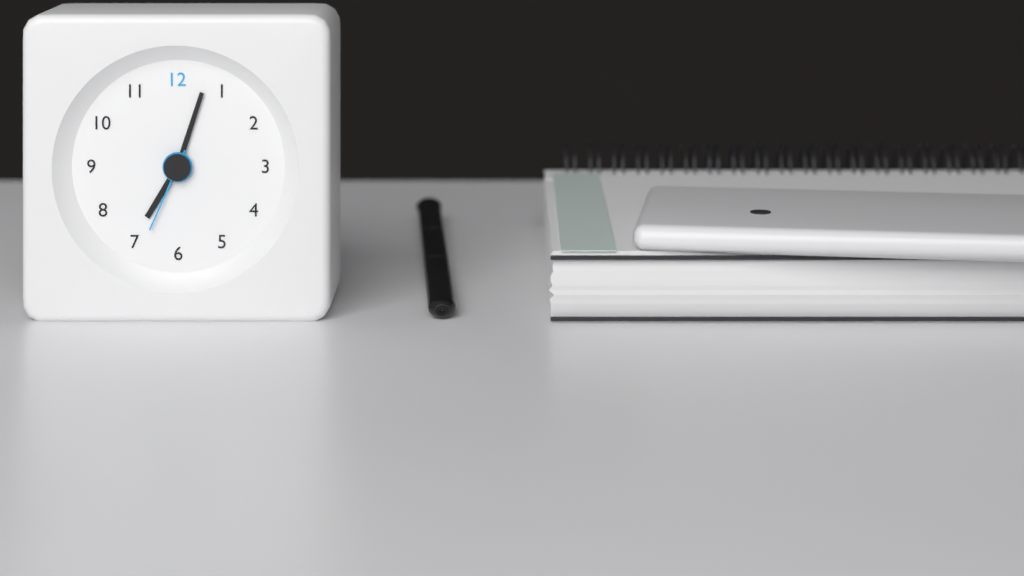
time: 7:03:34
